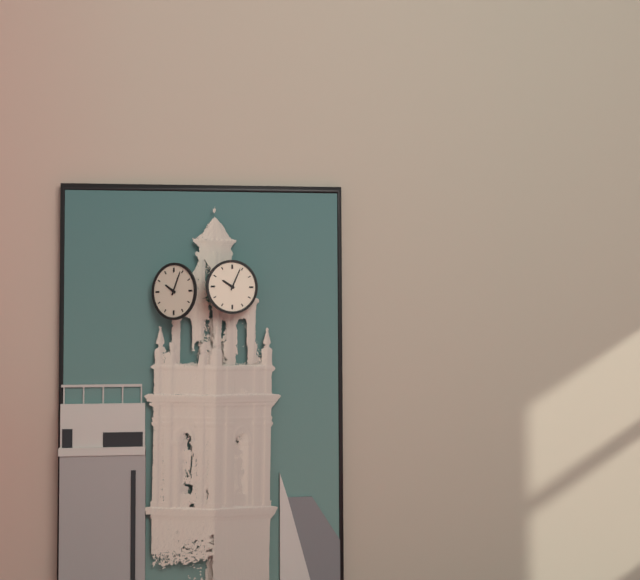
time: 10:04
